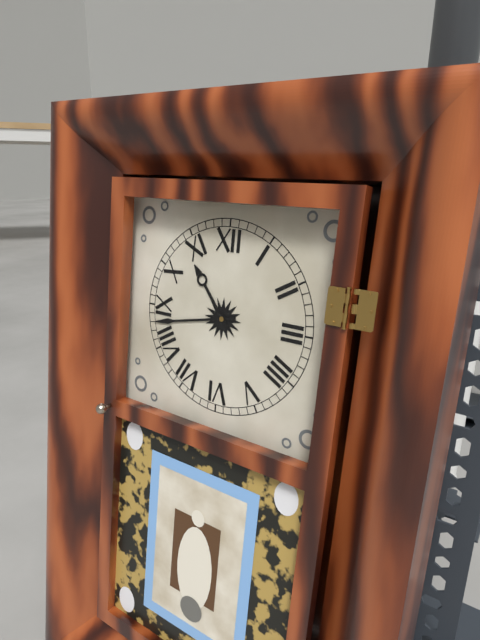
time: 10:43
